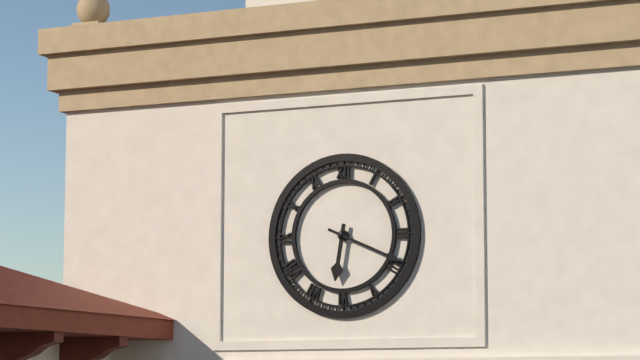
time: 6:19
